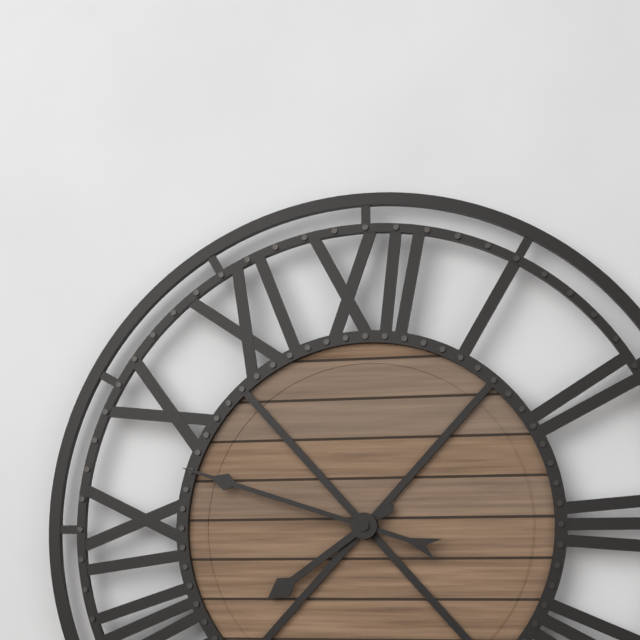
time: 7:48
